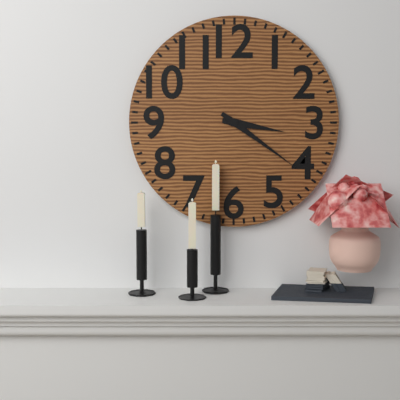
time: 3:21
